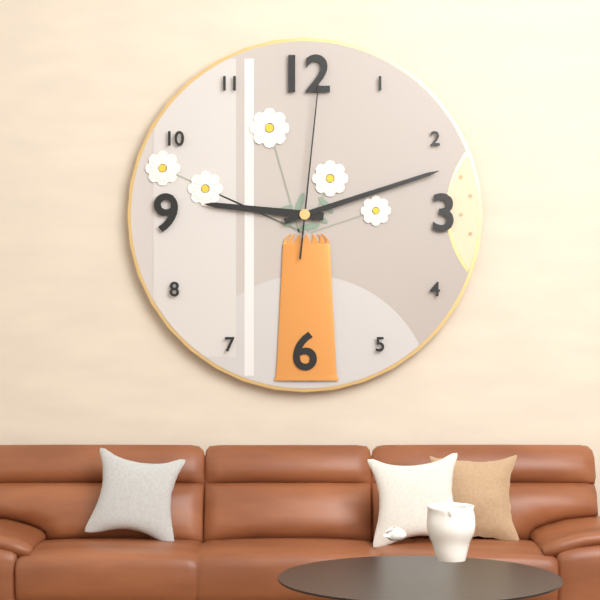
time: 9:12:01
